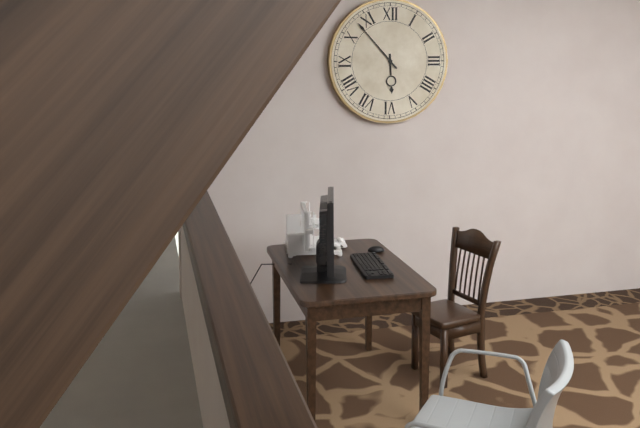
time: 5:53
